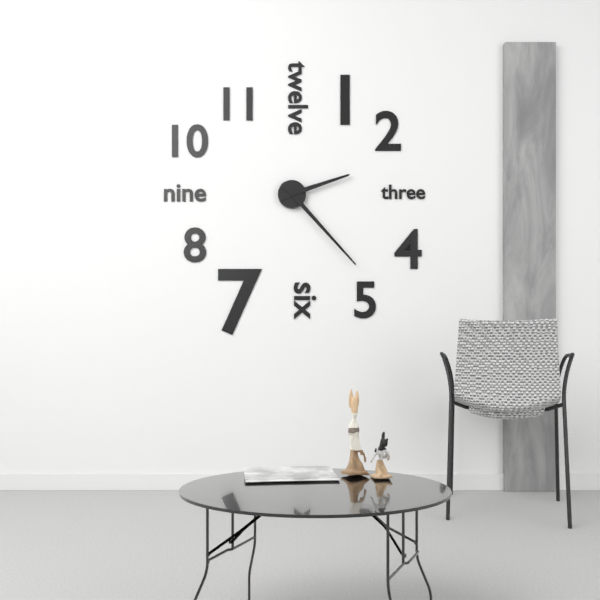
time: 2:23
